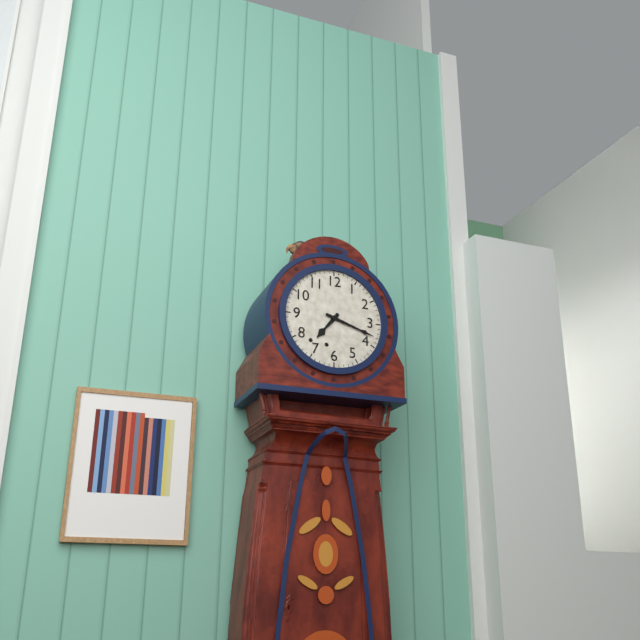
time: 7:18
